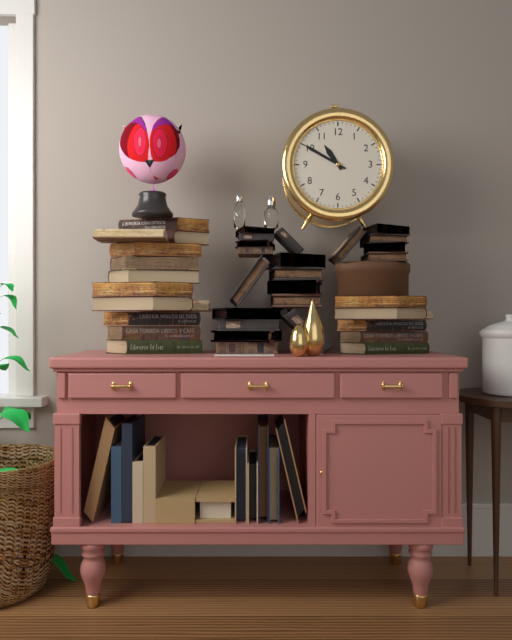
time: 10:50
